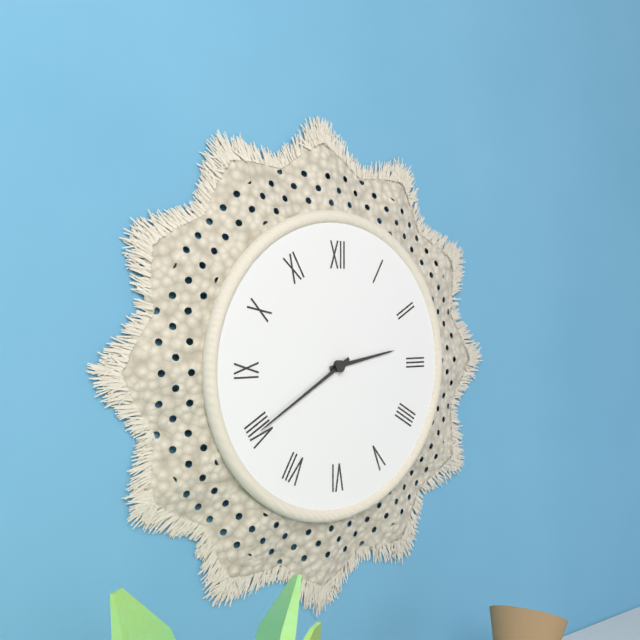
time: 2:40
